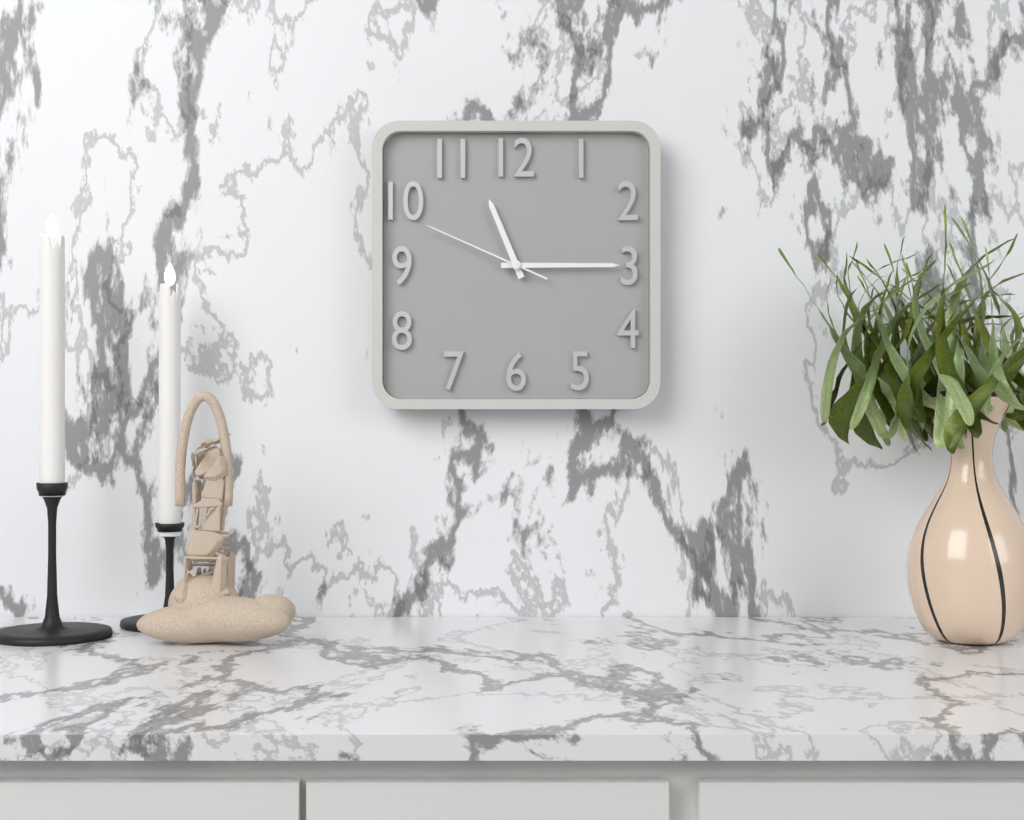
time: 11:15:49
